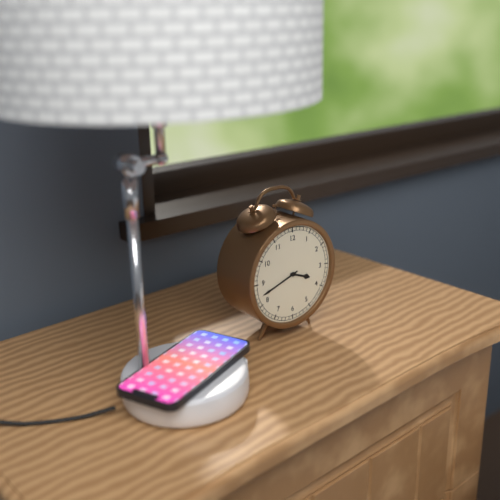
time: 3:42
